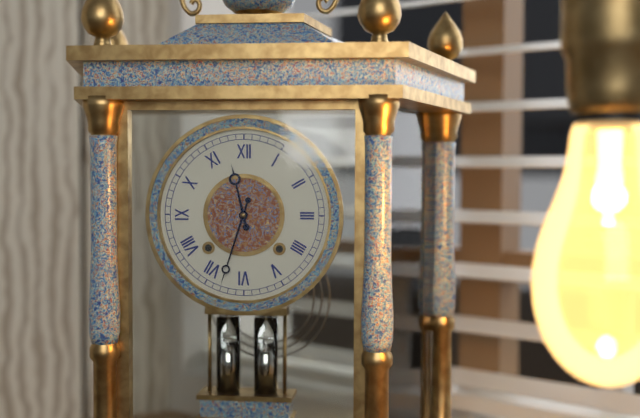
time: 11:33
